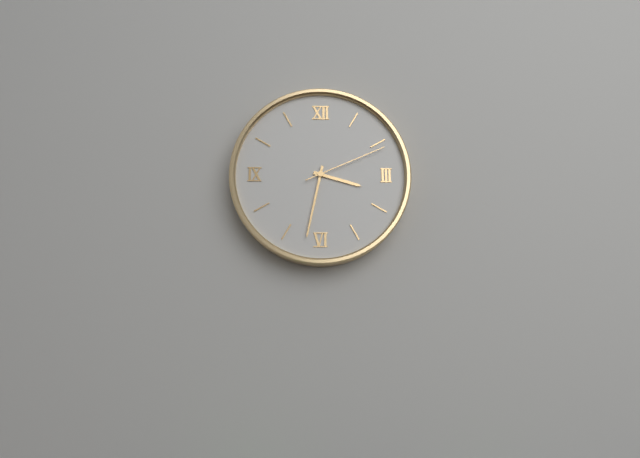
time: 3:32:11
